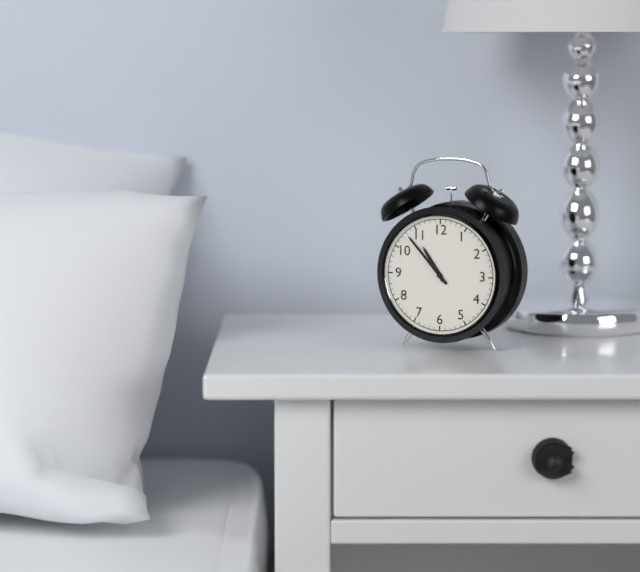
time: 10:53
